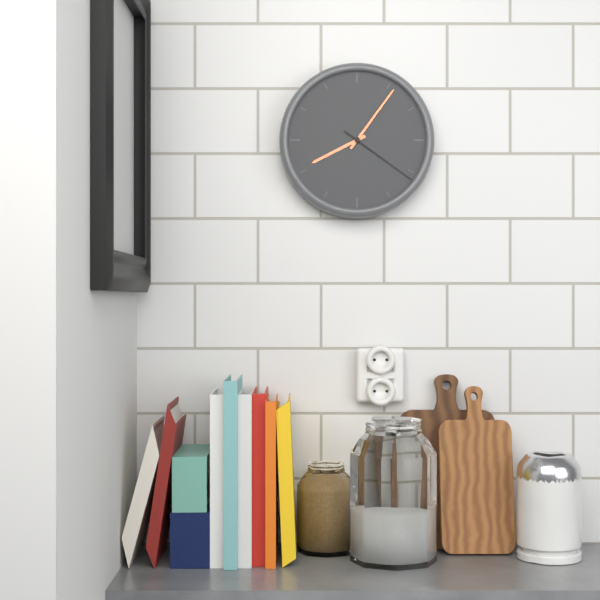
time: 8:06:21
